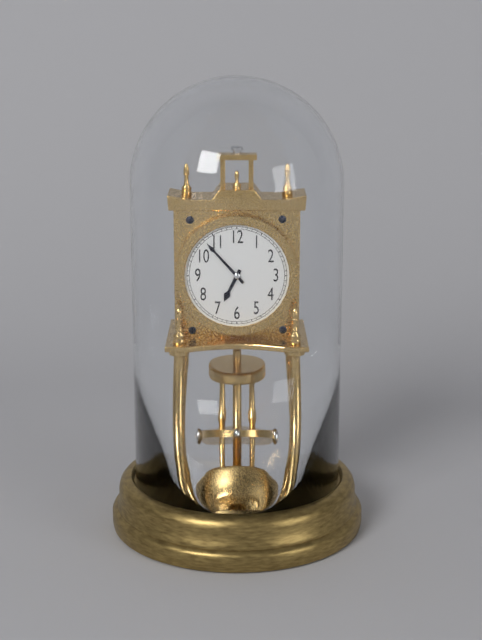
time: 6:53
